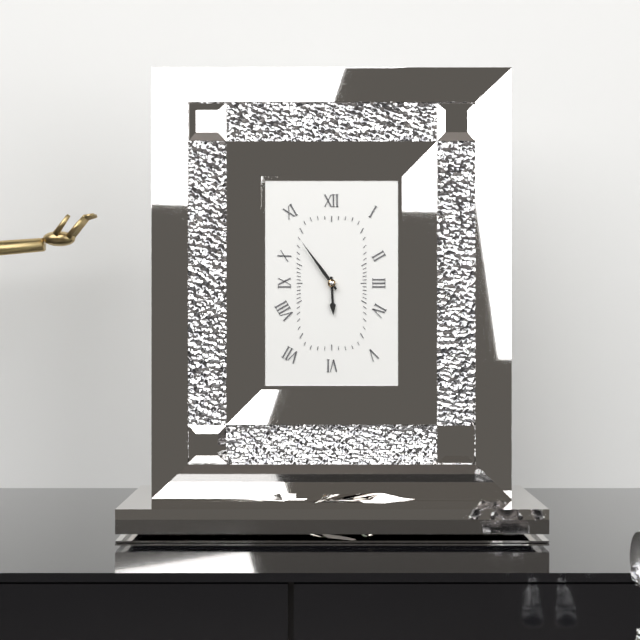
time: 5:54
